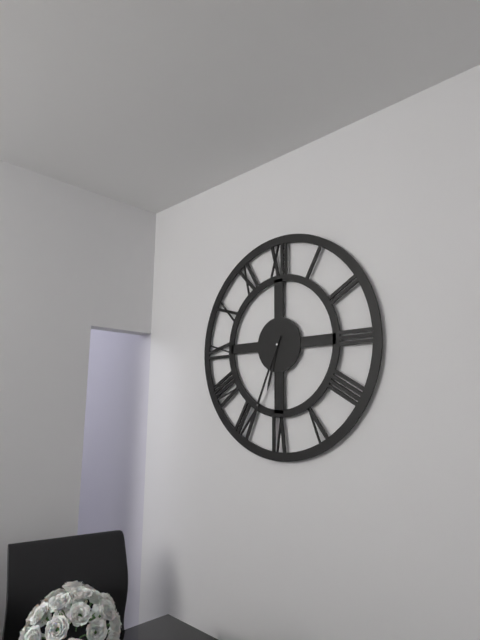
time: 6:34
